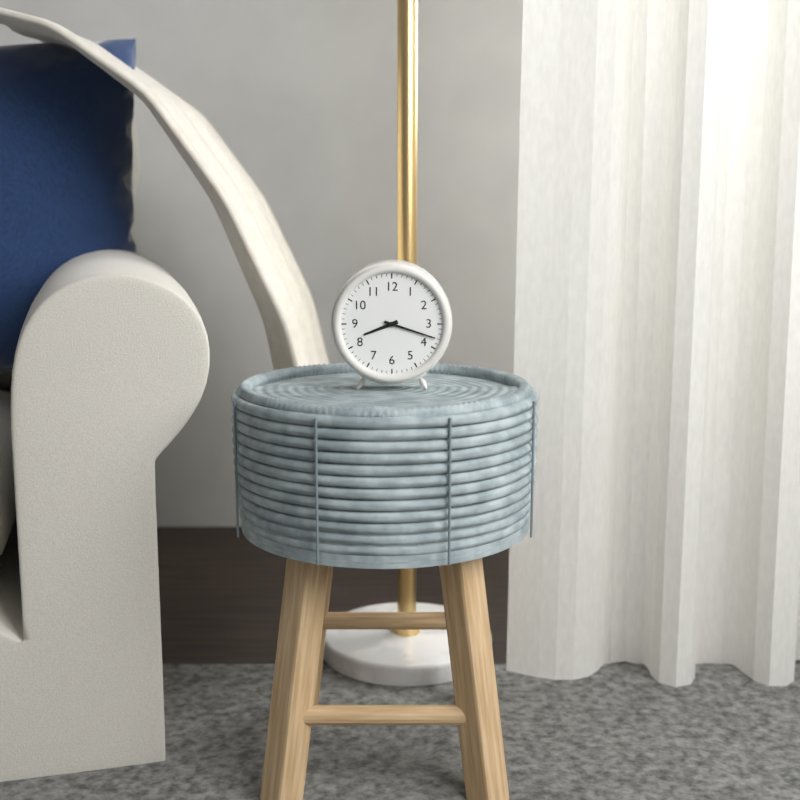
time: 8:18
